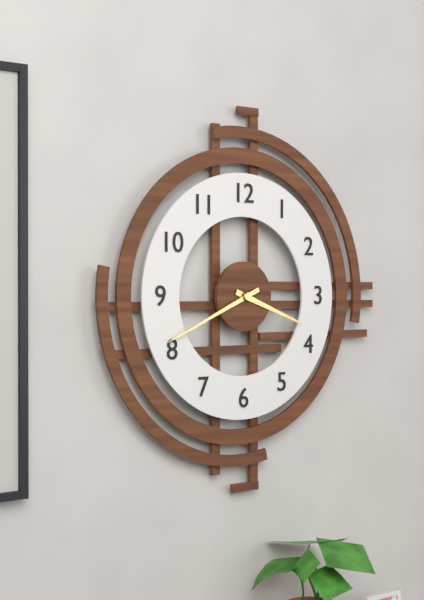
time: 3:41
